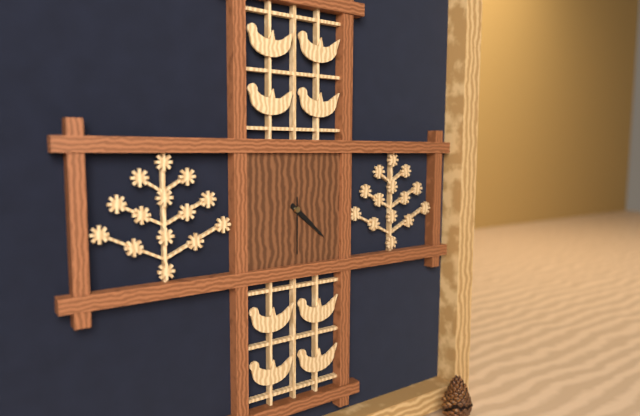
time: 4:22:30
